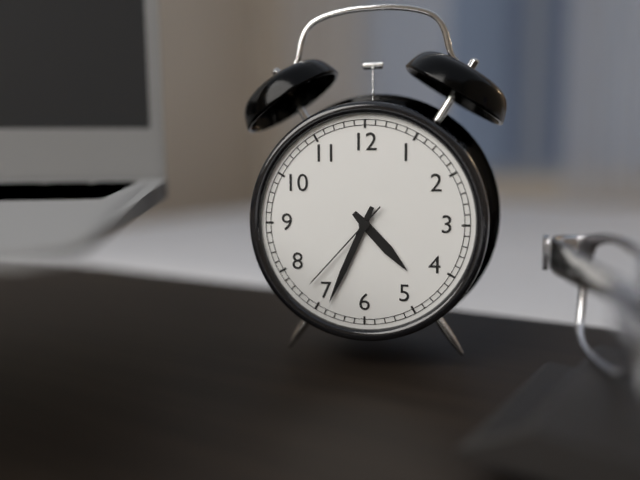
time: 4:34:37
